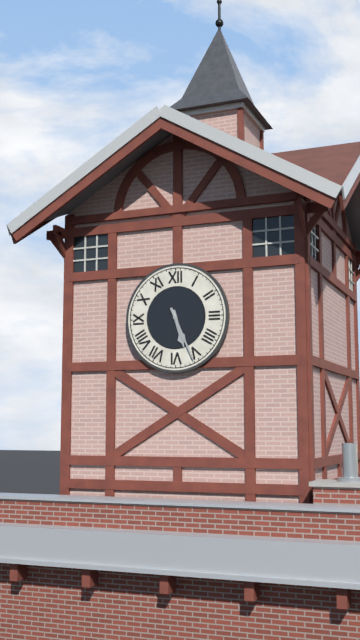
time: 5:26
